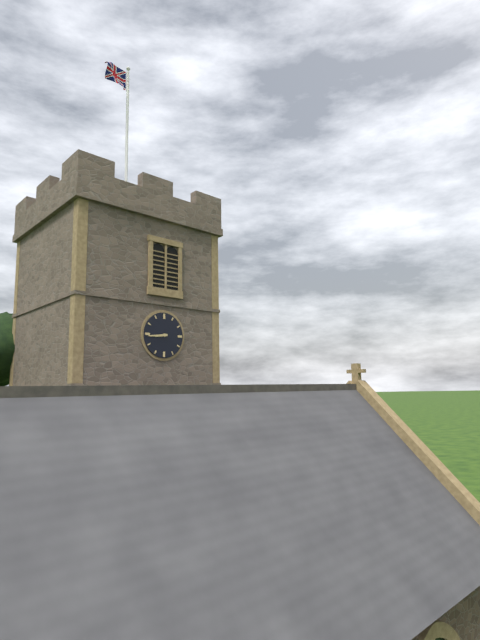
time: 8:44
